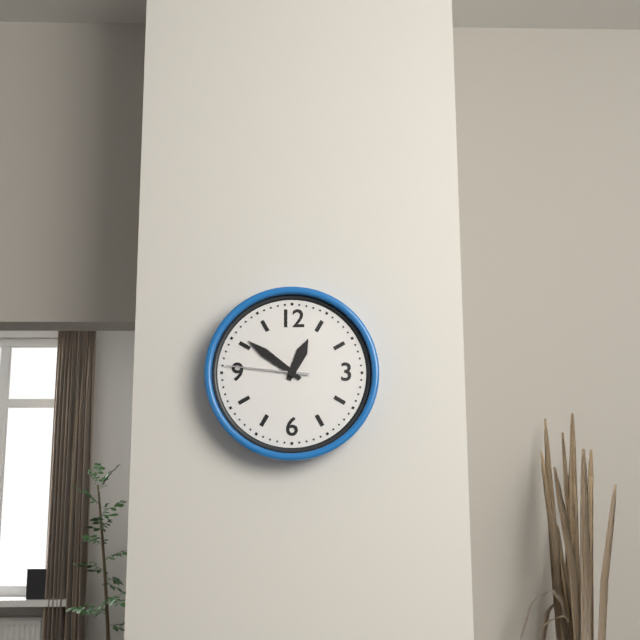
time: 12:51:46
